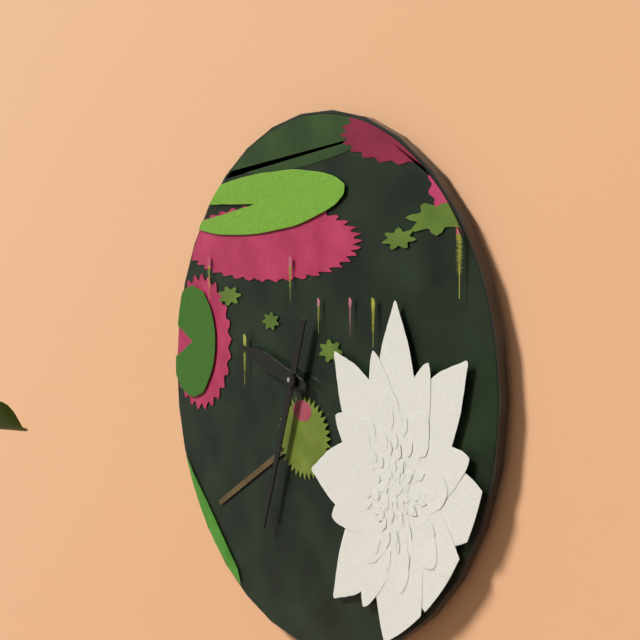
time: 9:33
